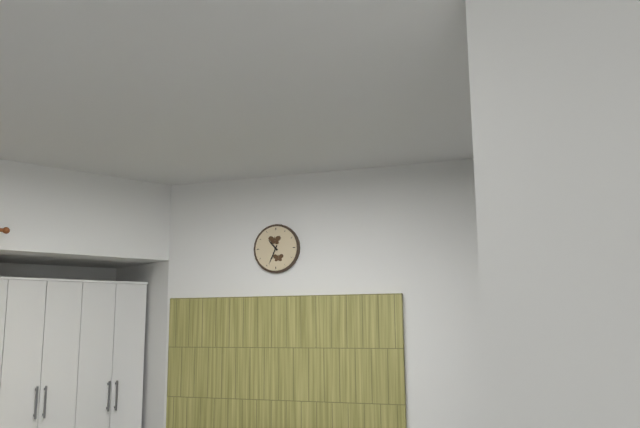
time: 10:34
